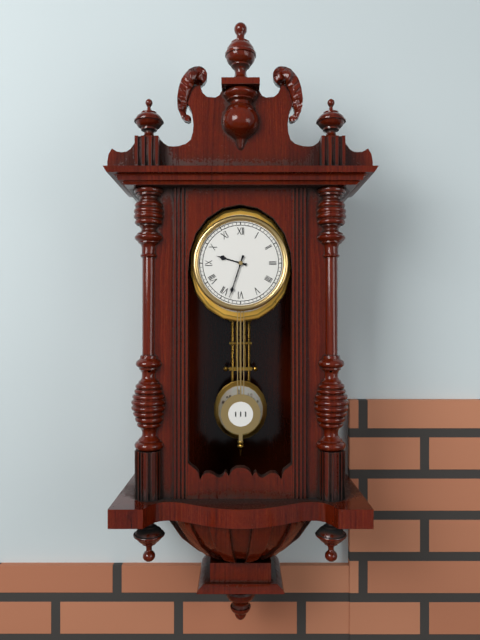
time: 9:33
